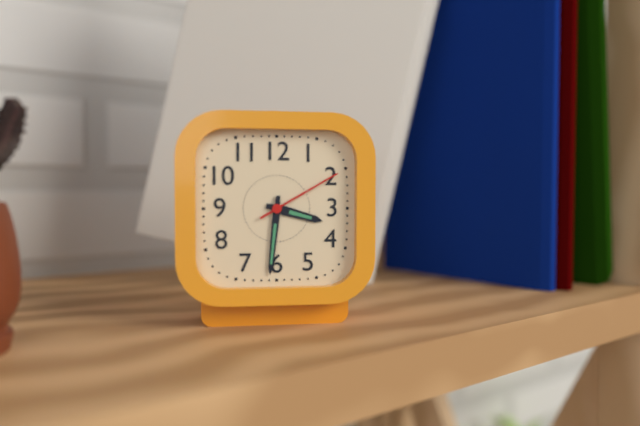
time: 3:31:10
